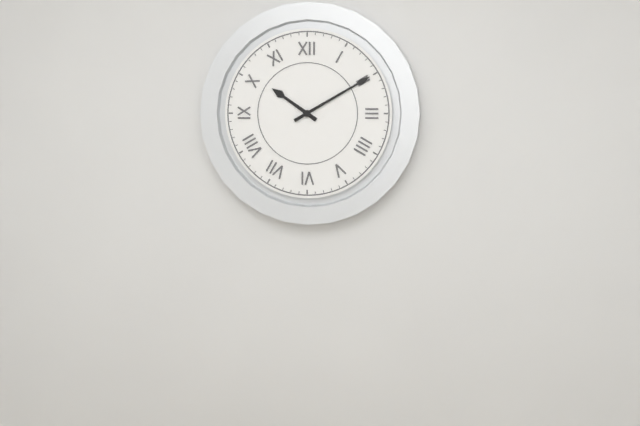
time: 10:10
